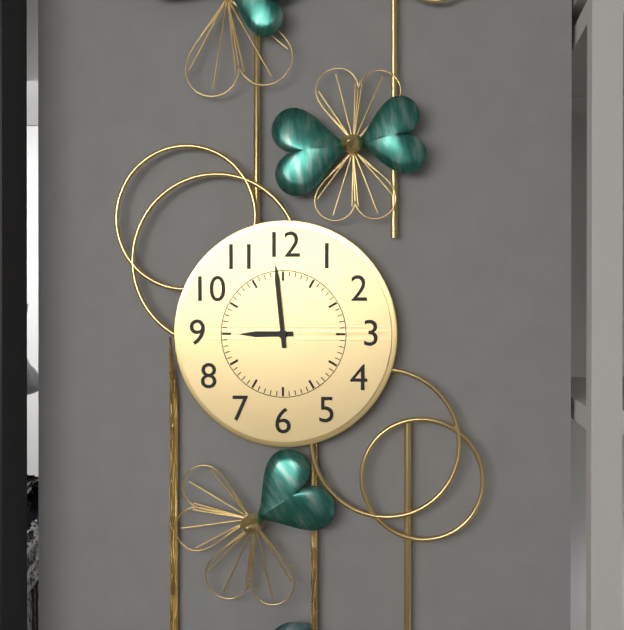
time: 8:59
